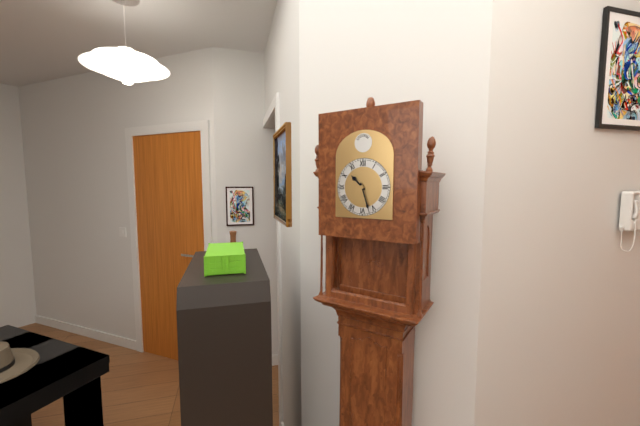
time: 10:27
